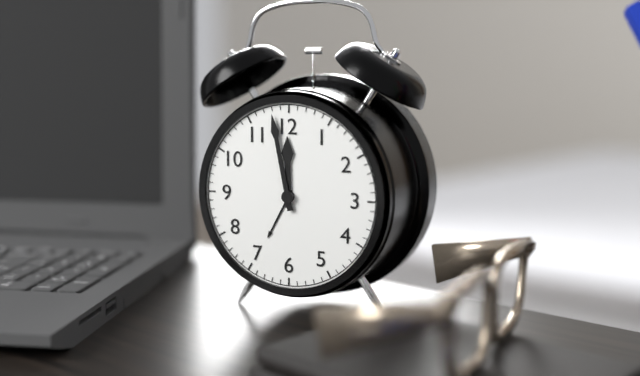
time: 11:58
